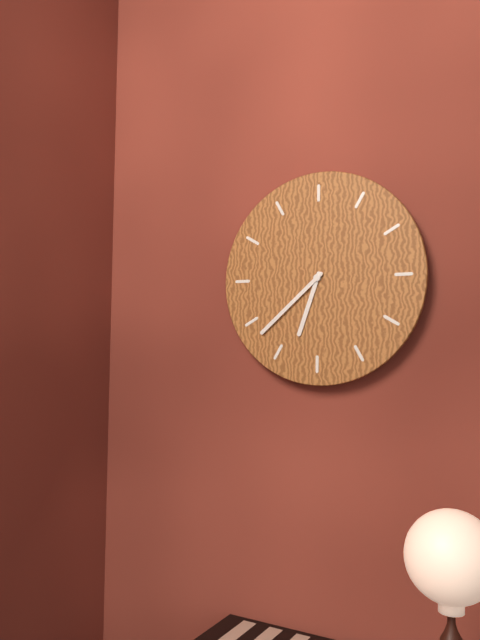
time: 6:38
